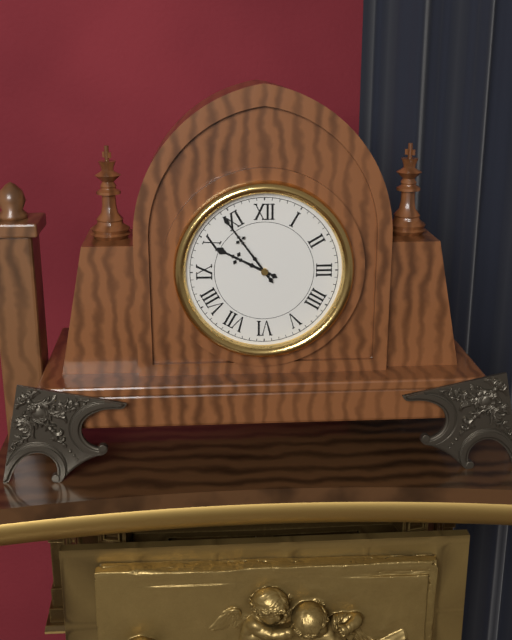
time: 9:54
